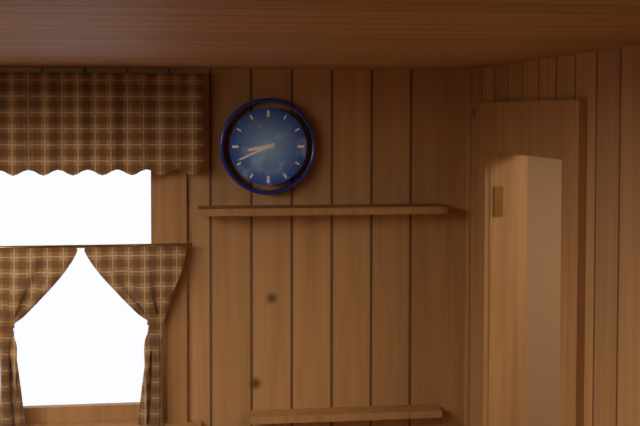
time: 8:41
